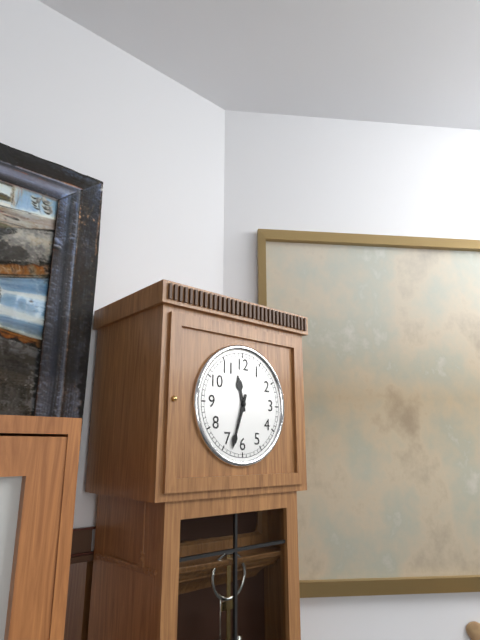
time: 11:33
